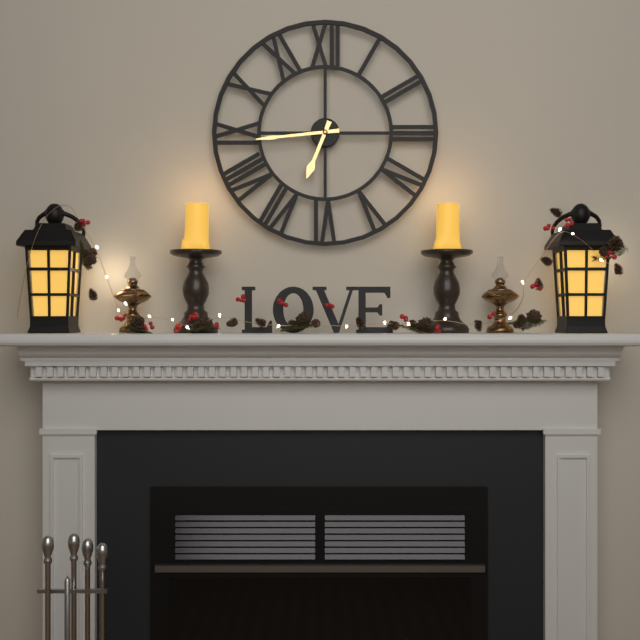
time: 6:44
